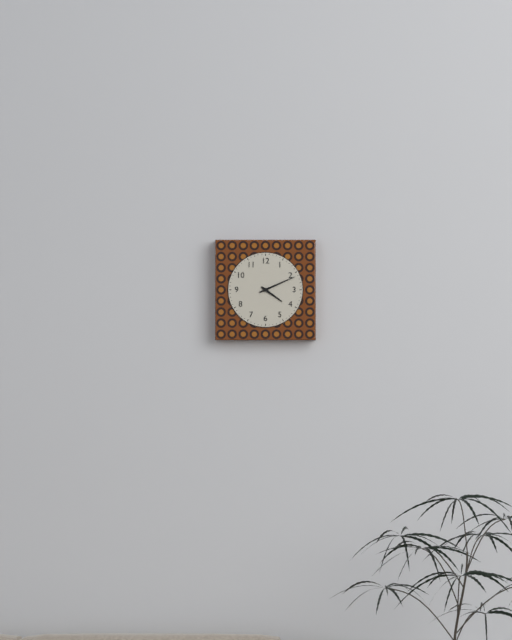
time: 4:11
